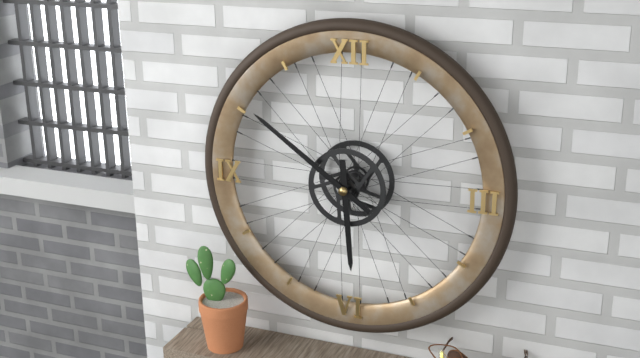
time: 5:51
